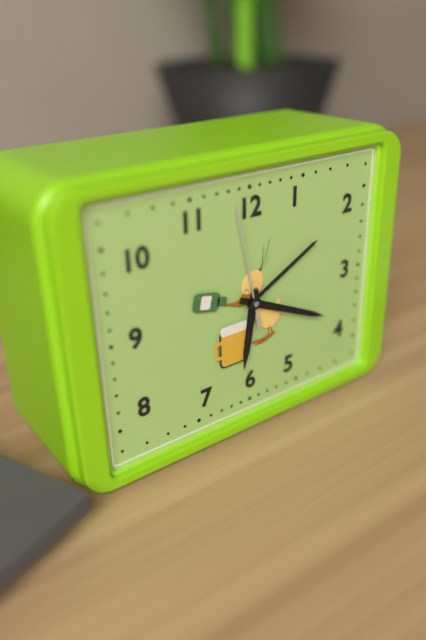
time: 6:19:58
